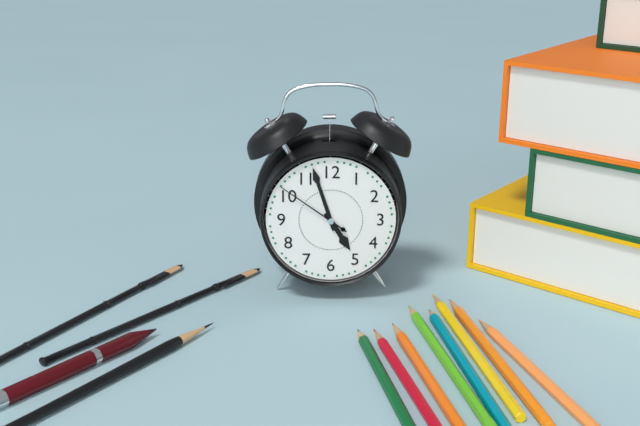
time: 4:57:51
